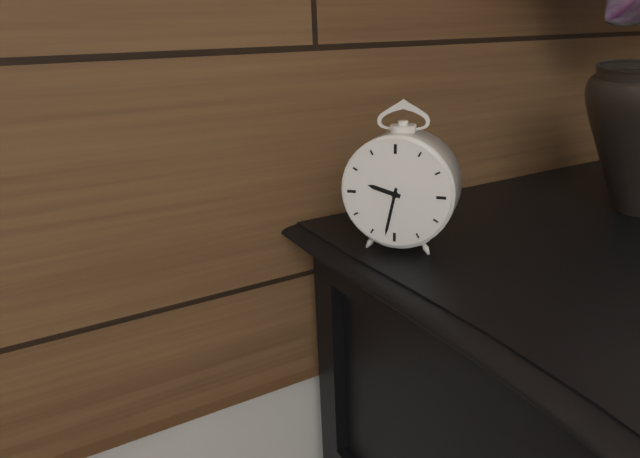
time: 9:32
